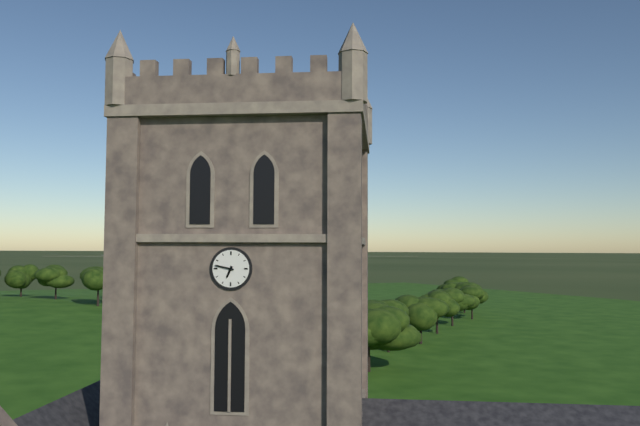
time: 6:47
